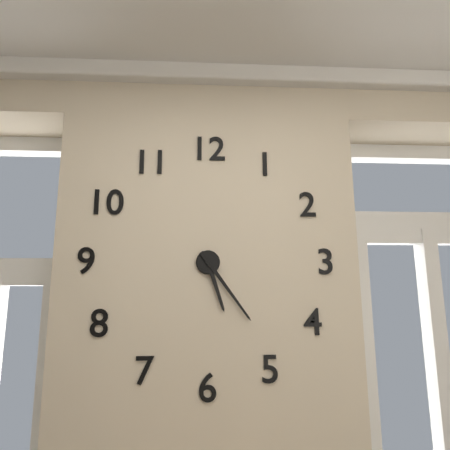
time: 5:24
